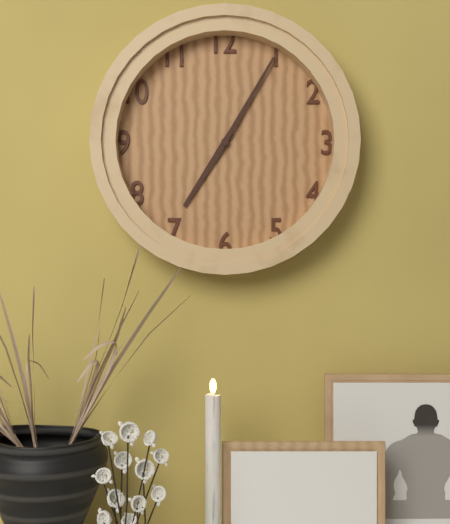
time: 7:05
